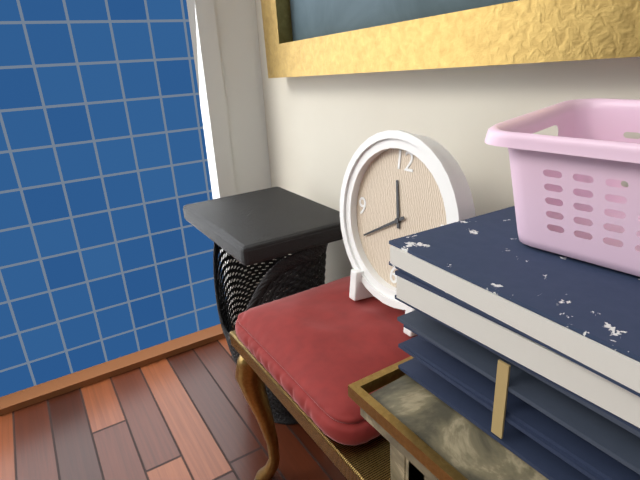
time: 11:40
